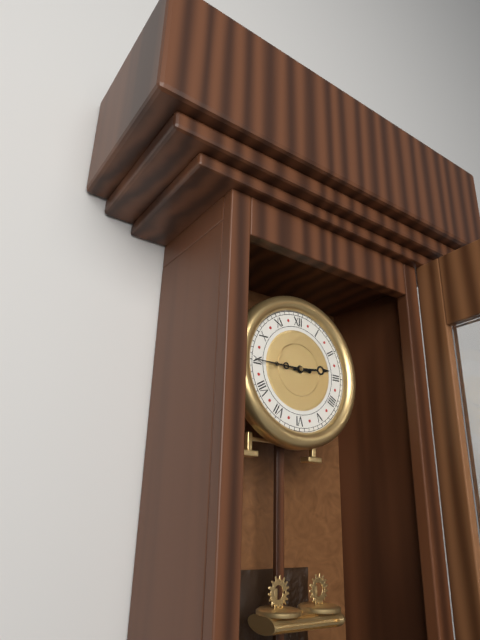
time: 2:45
